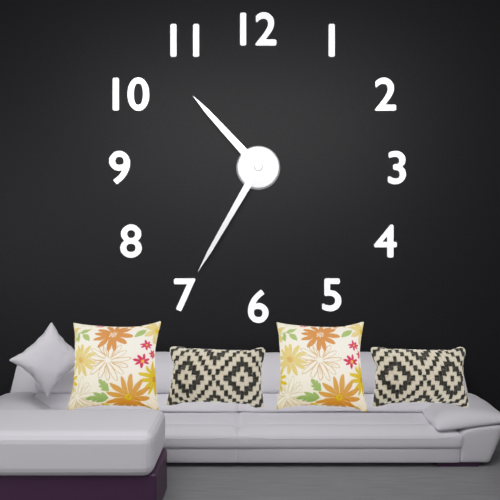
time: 10:35
